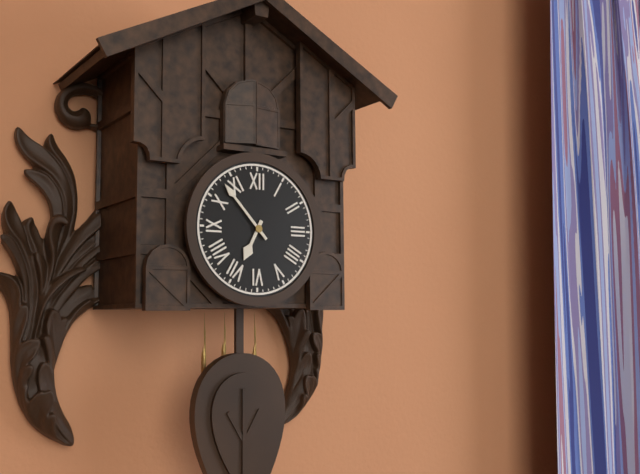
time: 6:53
